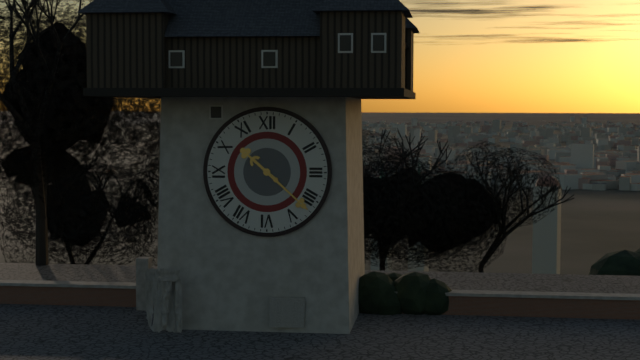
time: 10:22
